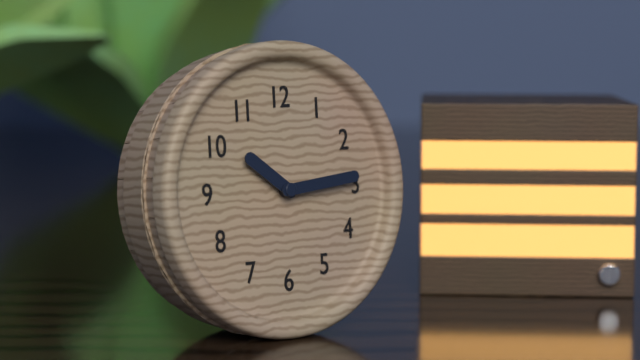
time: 10:14
